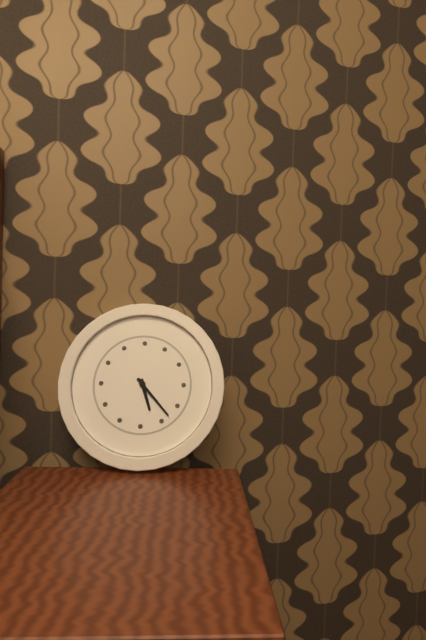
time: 5:23
